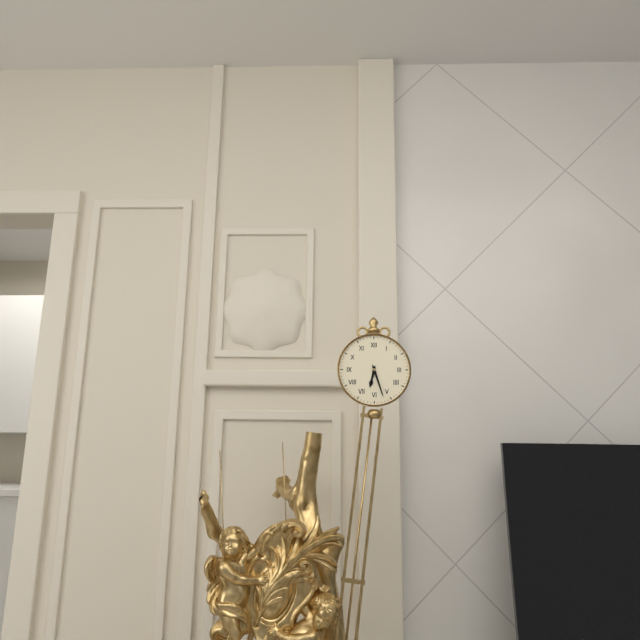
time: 6:27
